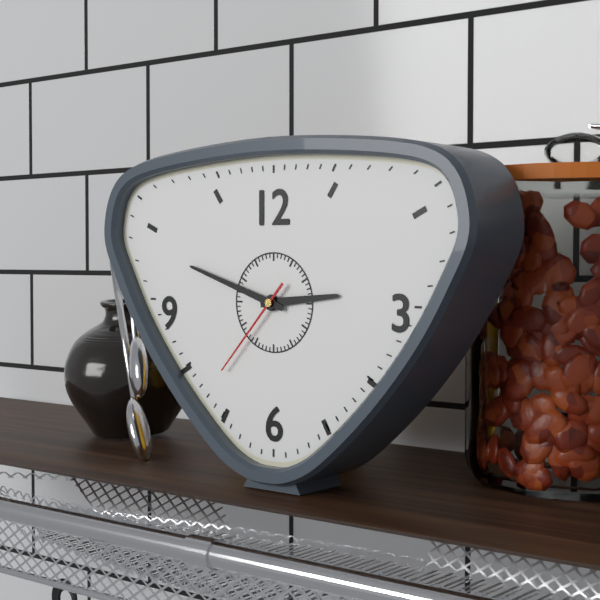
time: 2:48:37
